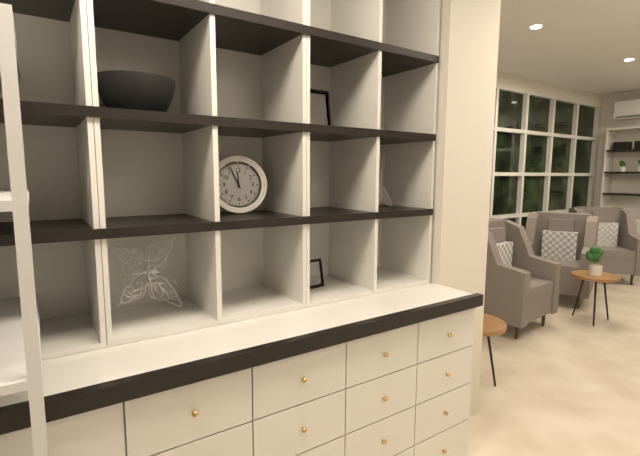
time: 11:56
